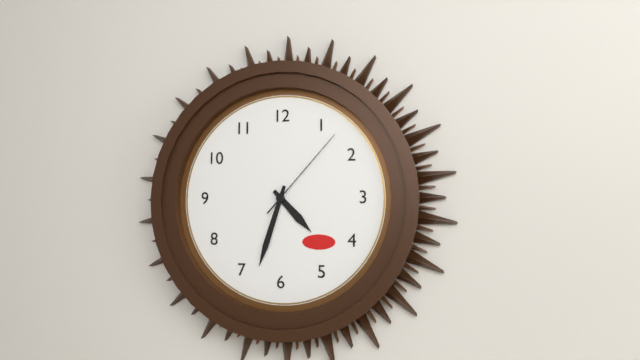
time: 4:33:07
